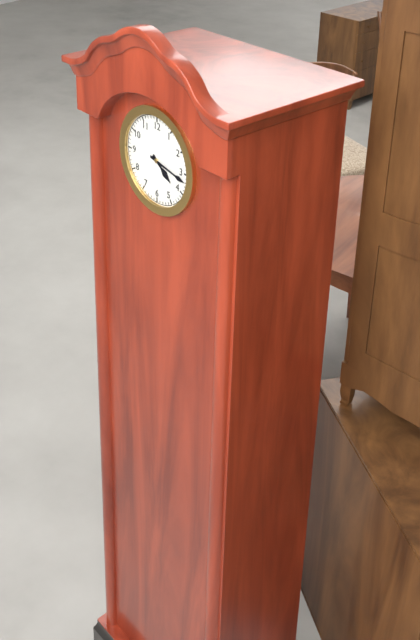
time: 4:17
